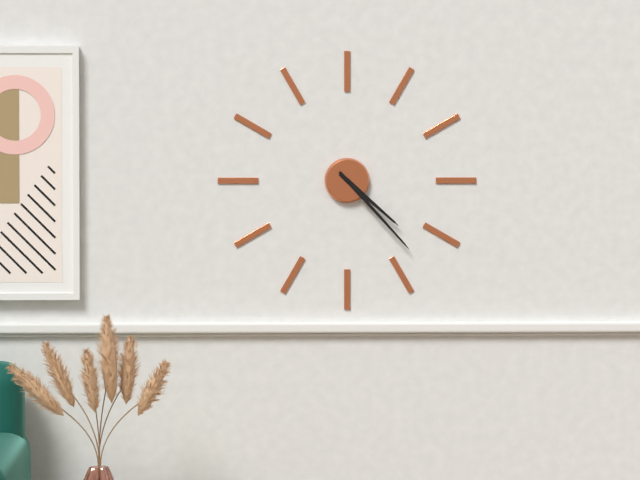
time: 4:23
